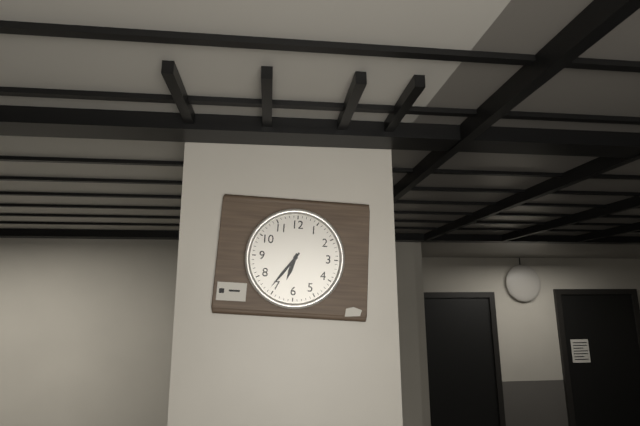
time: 6:36
